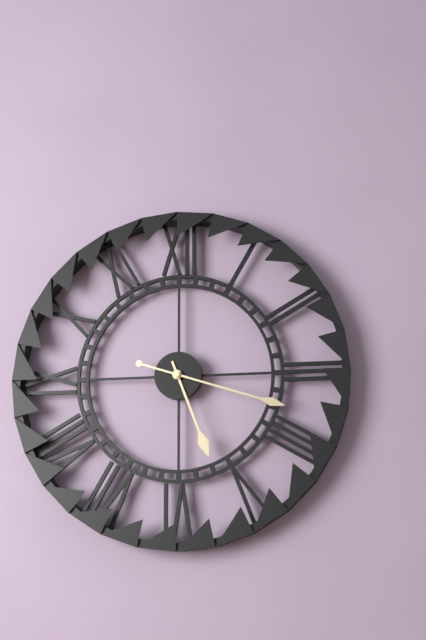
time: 5:18
